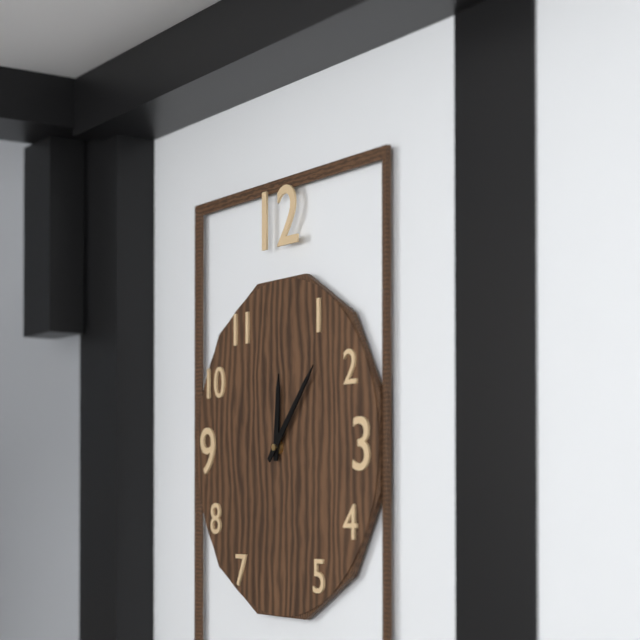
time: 12:07
